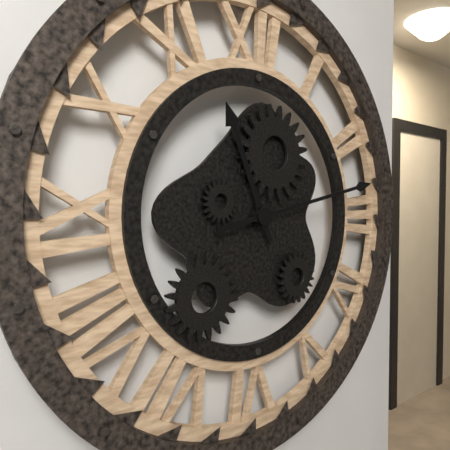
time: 11:13
